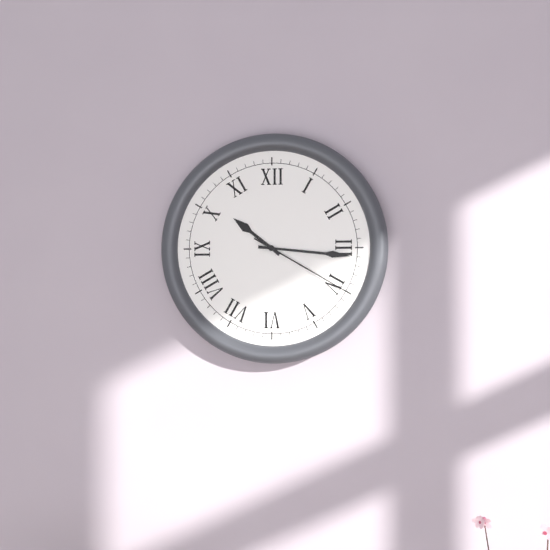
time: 10:16:20
